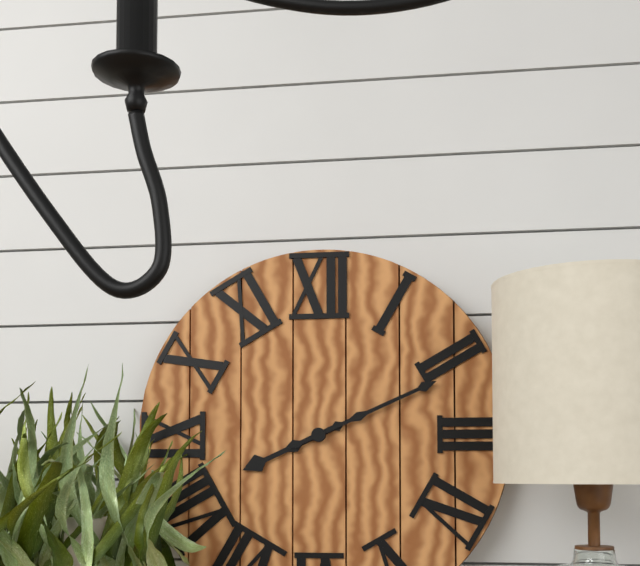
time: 8:11
